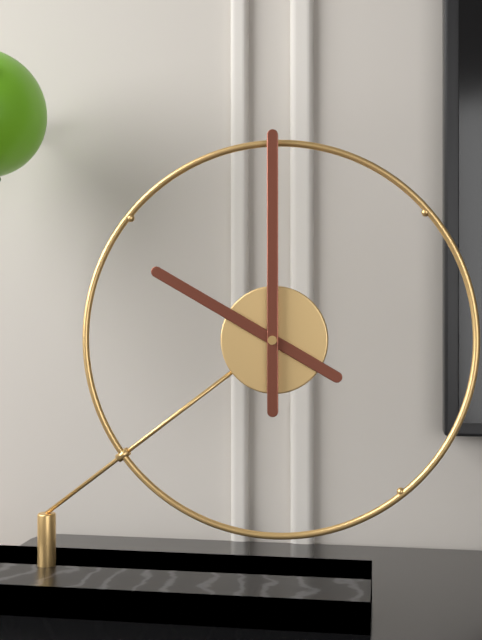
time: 10:00
